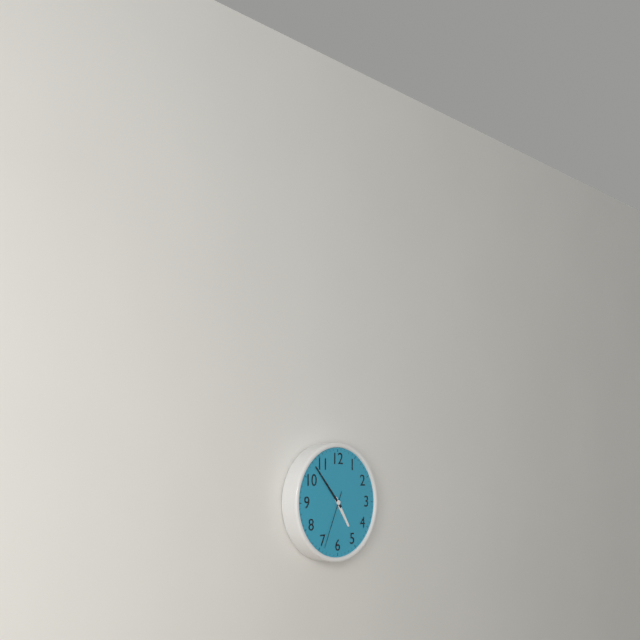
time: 4:53:34
